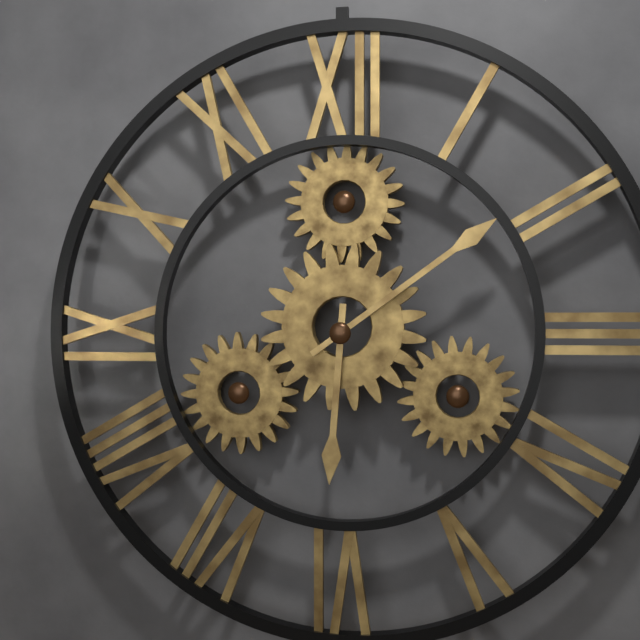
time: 6:09
